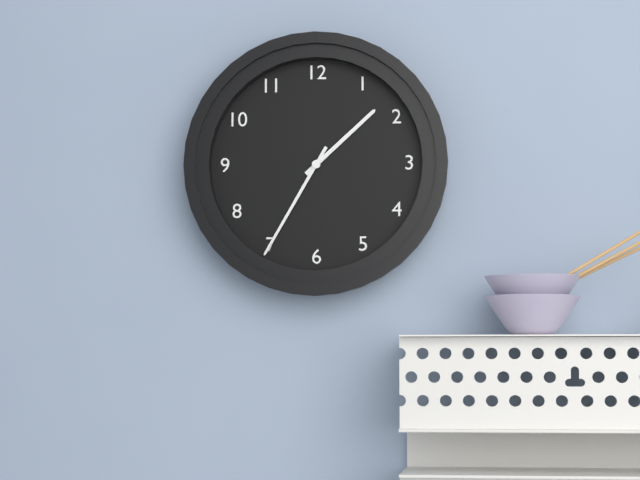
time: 1:35
